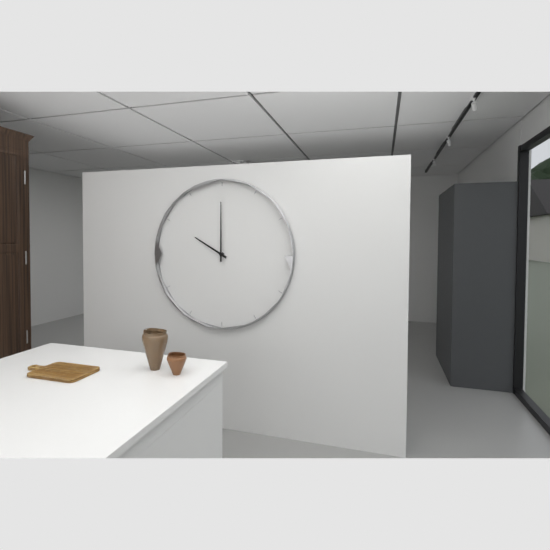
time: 10:00
